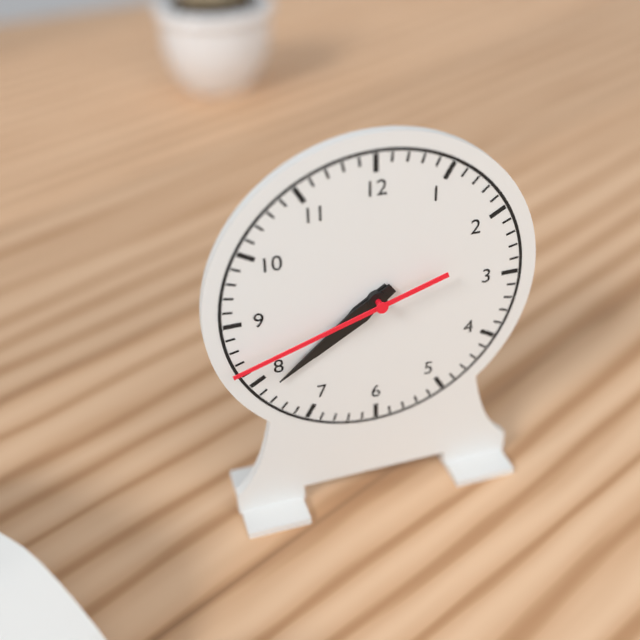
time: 7:39:42
